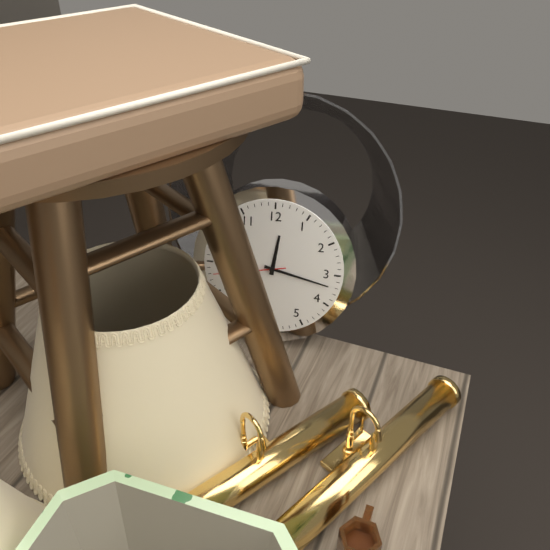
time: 12:17
